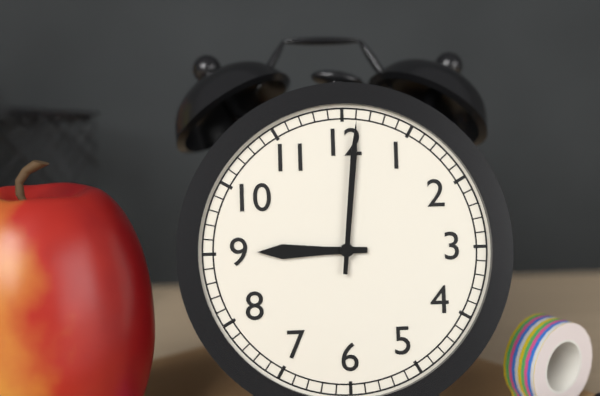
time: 9:01
